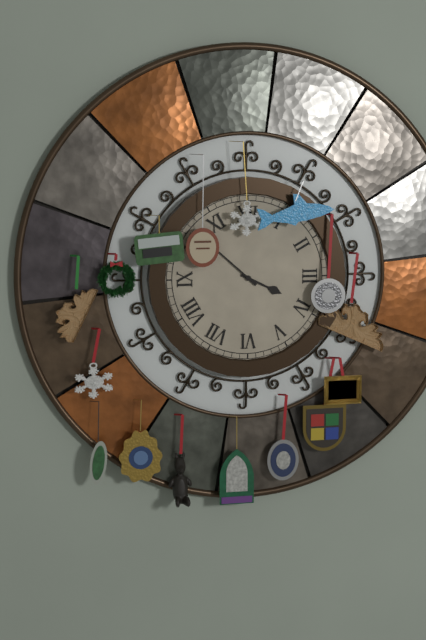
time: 3:52
